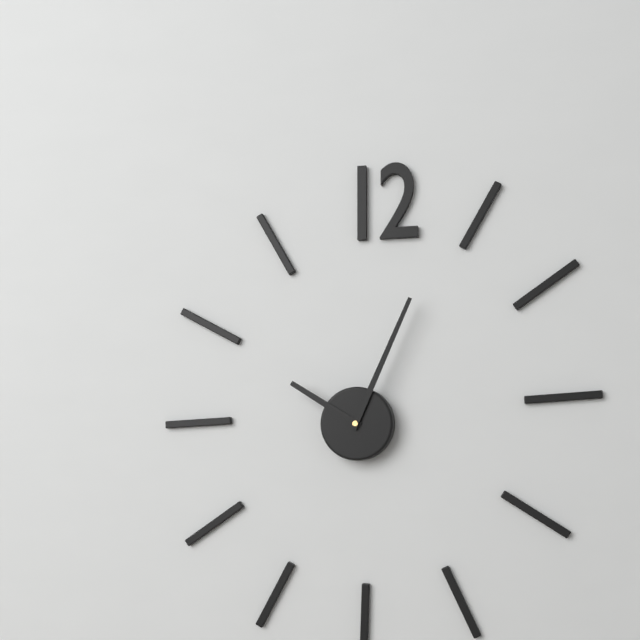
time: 10:04
